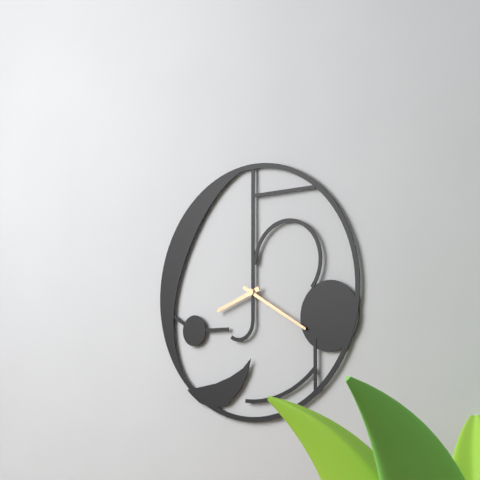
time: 8:20
